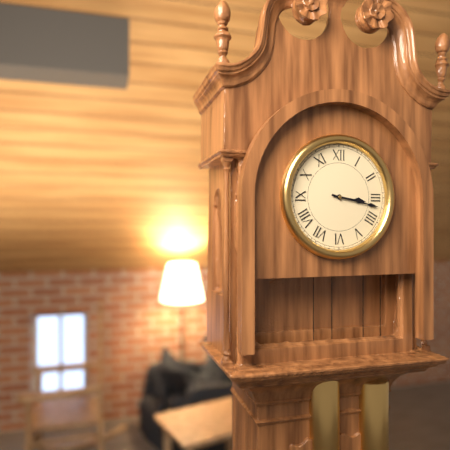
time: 3:17
